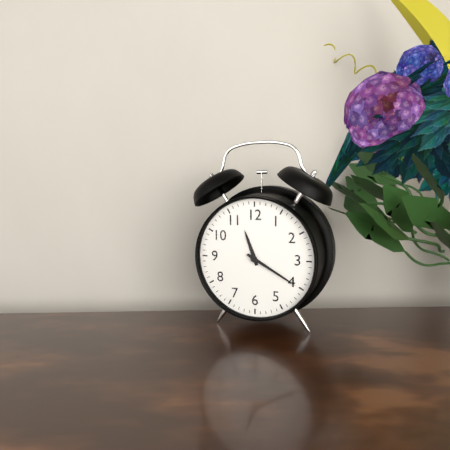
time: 11:20
